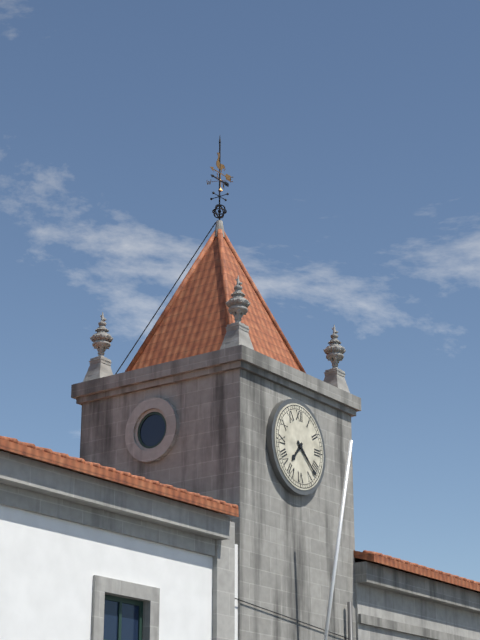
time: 7:22
